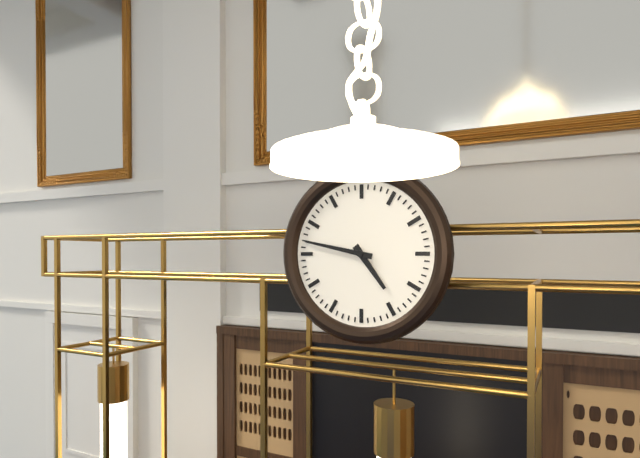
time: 4:47
